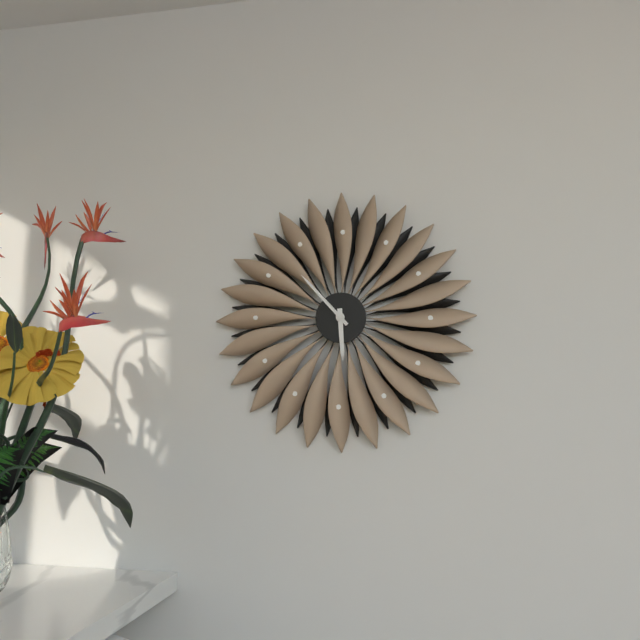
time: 5:53
